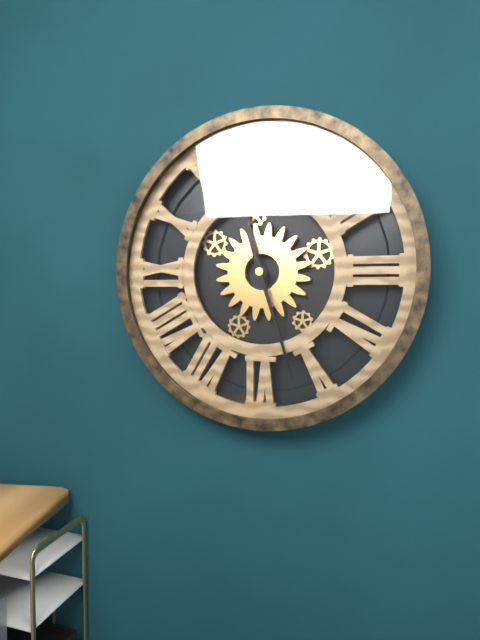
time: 11:27
